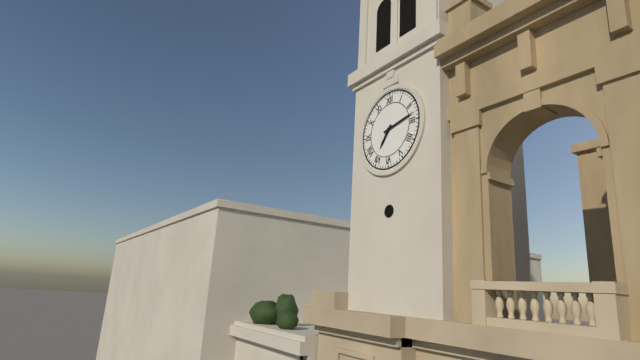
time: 7:13
